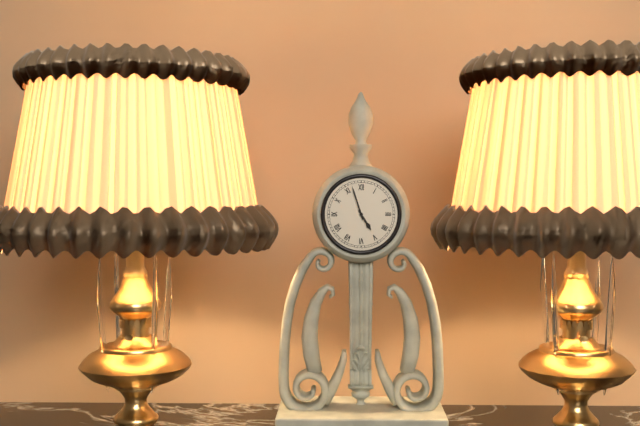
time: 4:57
